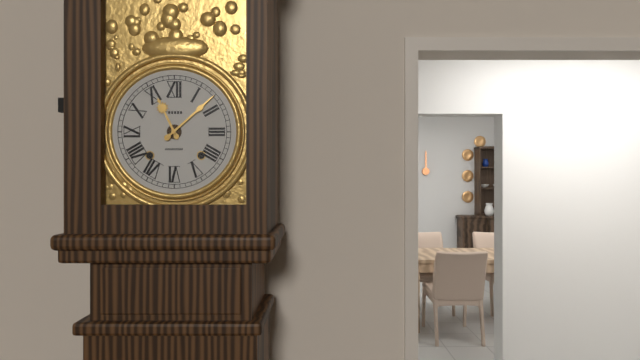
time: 11:08
